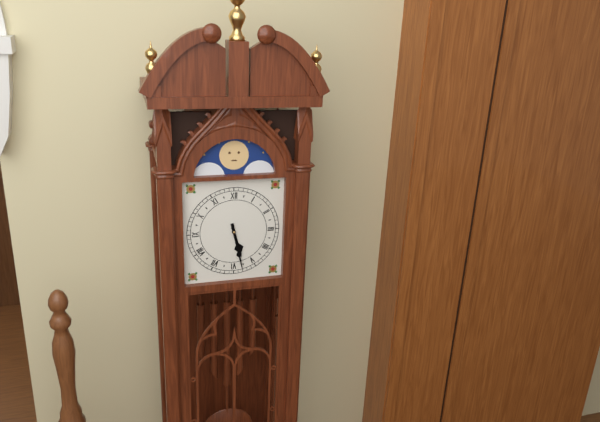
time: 5:28
